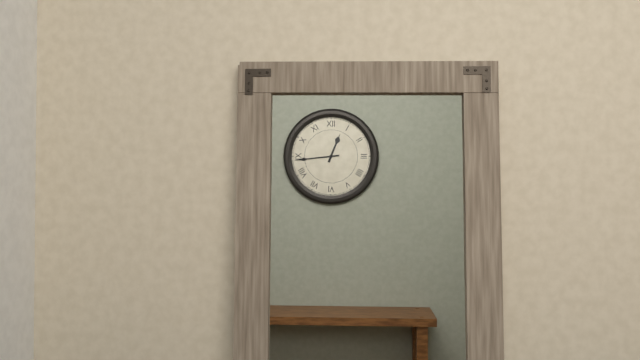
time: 12:44
